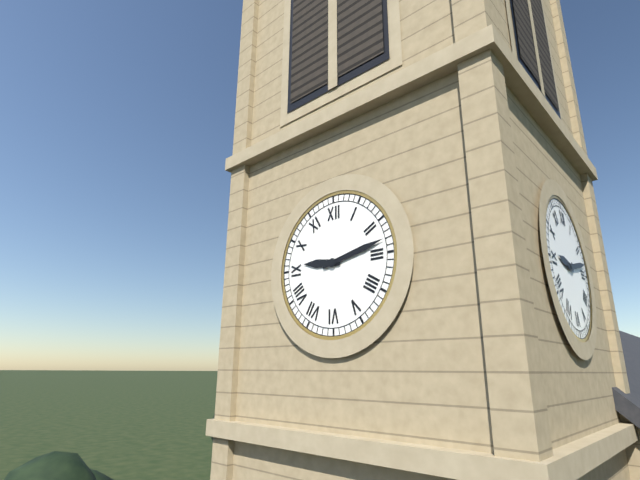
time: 9:13
